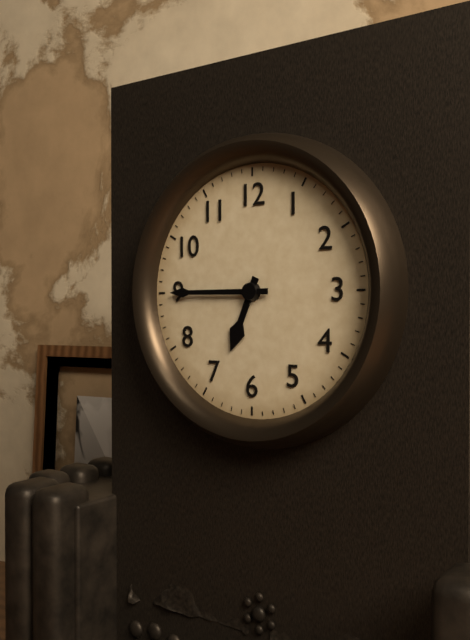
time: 6:45
